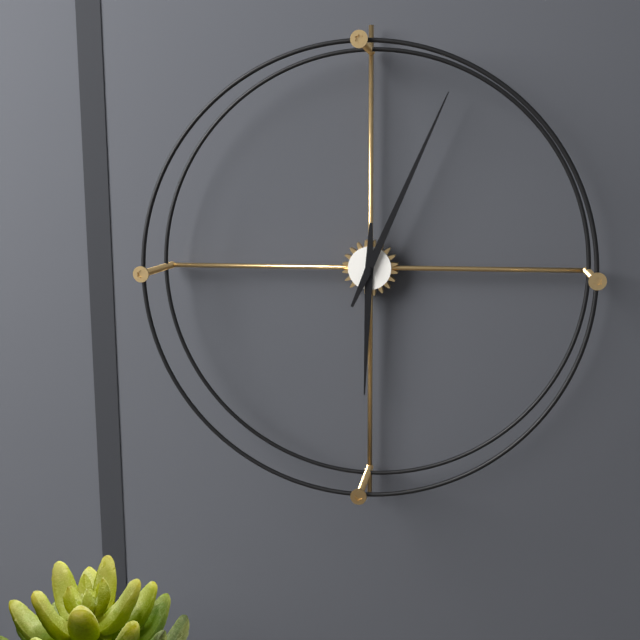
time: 6:04
